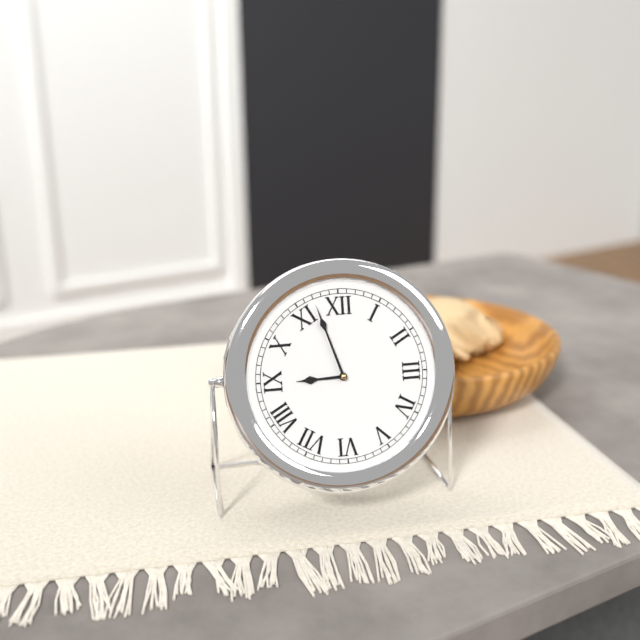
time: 8:57
